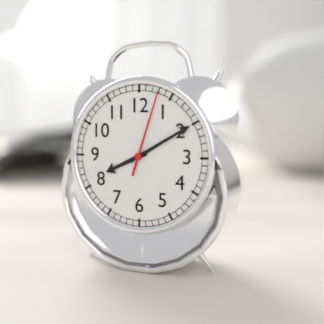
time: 8:10:03
